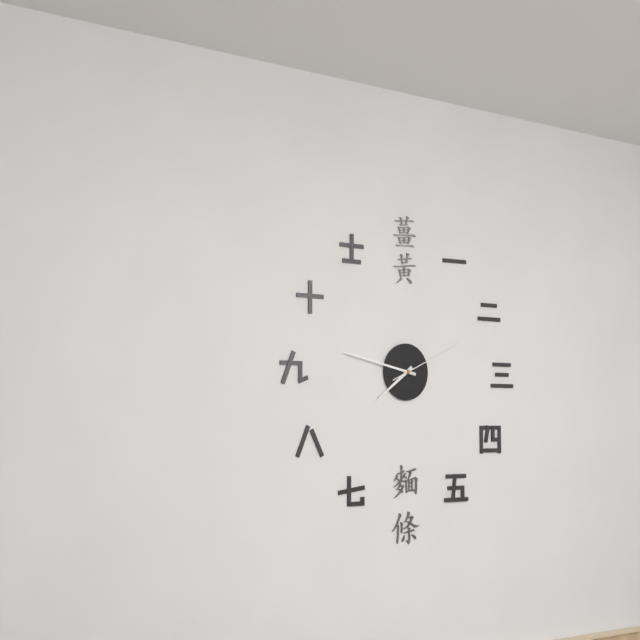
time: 7:47:11
